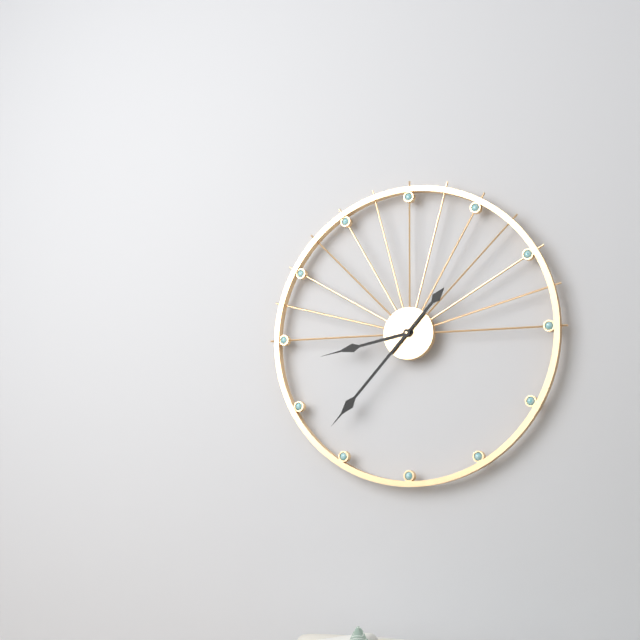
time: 8:37
